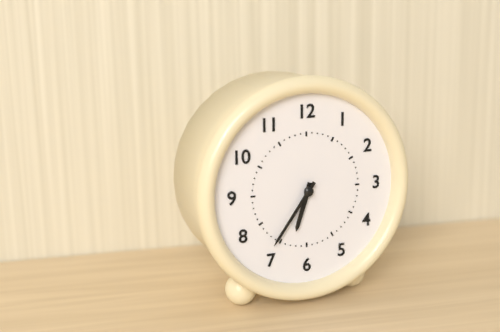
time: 6:36
